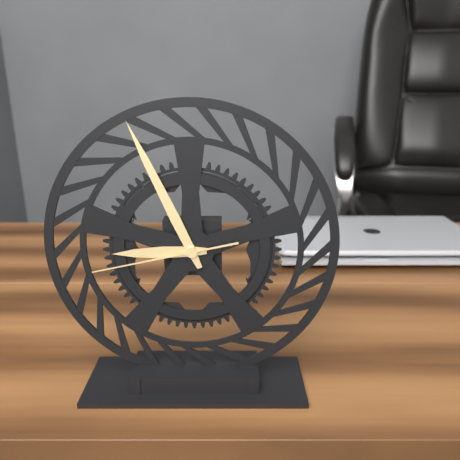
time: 8:56:43
